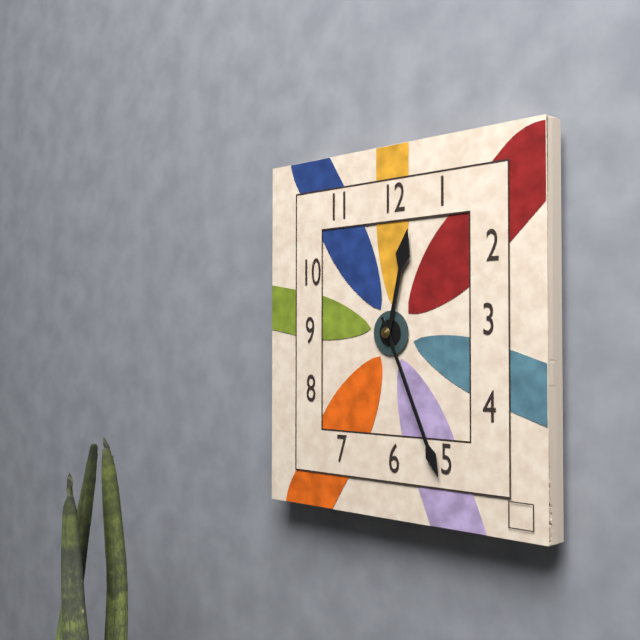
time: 12:26
